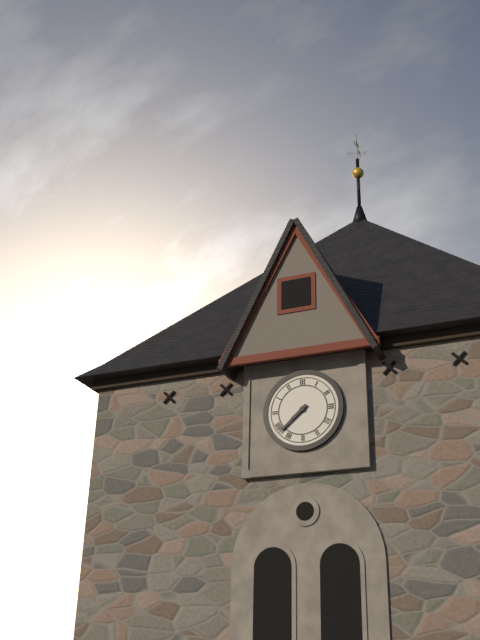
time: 7:38
